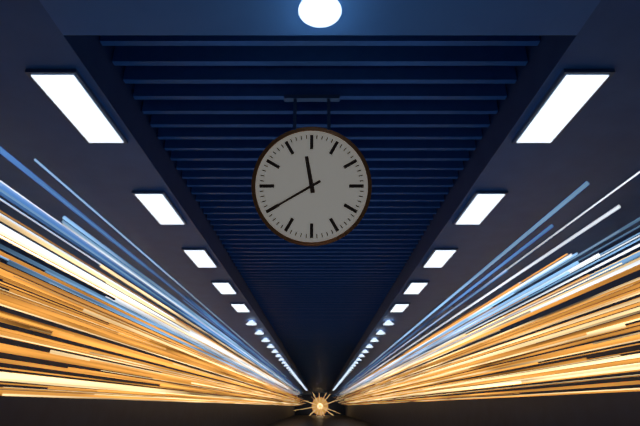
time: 11:40
